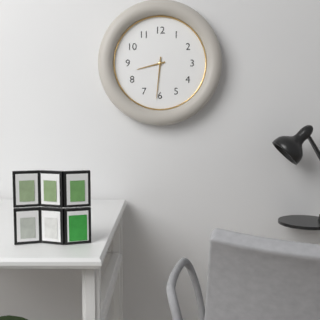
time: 8:31
